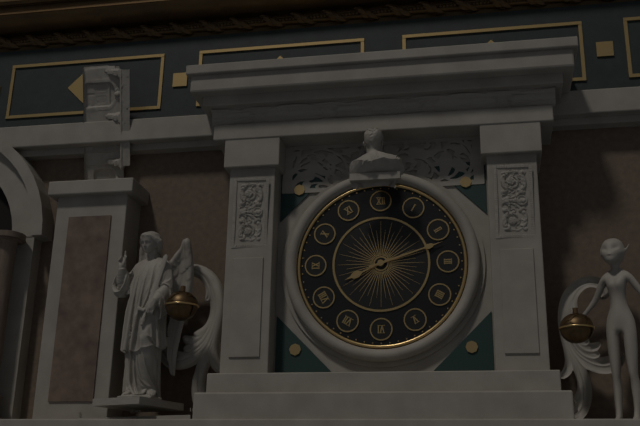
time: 8:12
